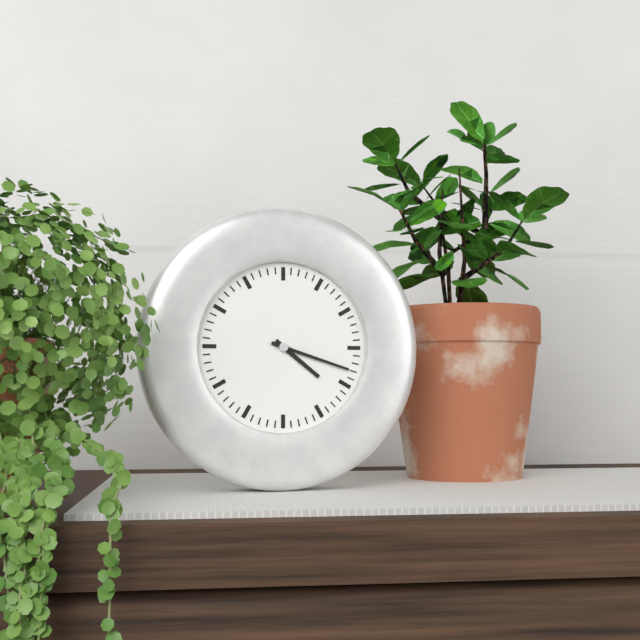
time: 4:18
